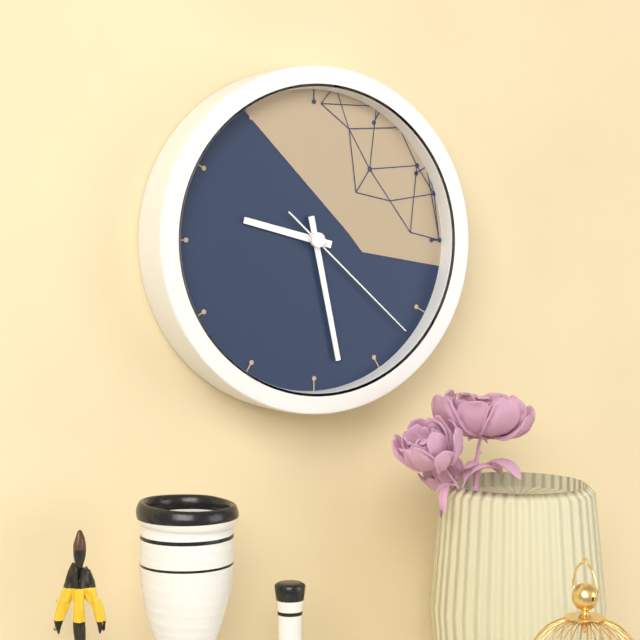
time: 9:28:22
